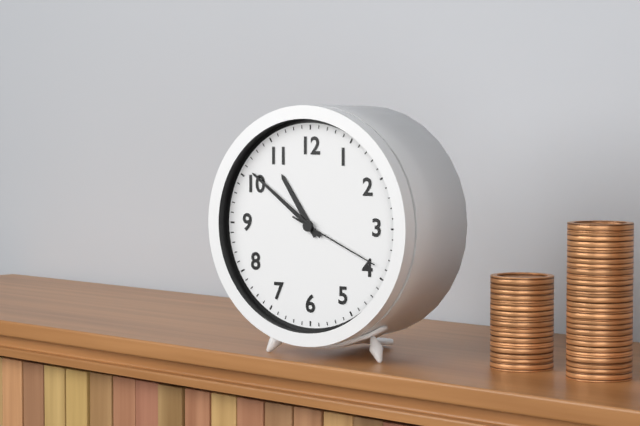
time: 10:51:19
